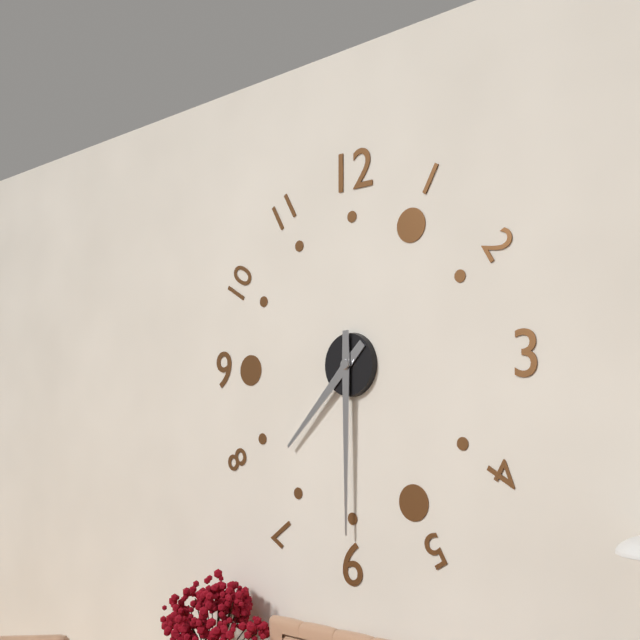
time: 7:30
